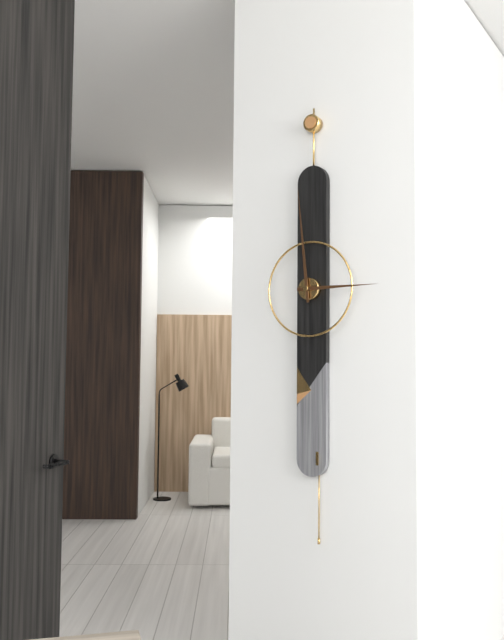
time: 2:59
